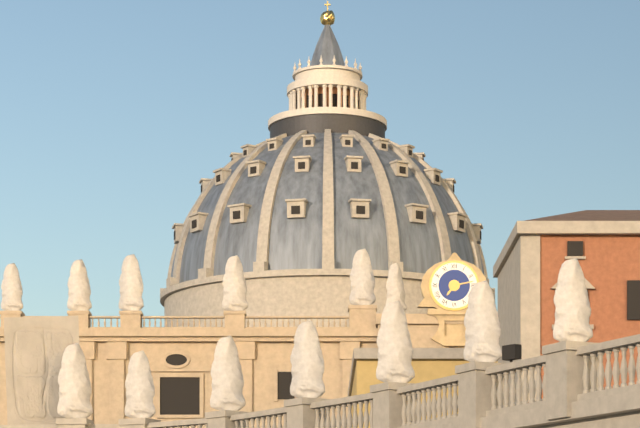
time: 7:13
